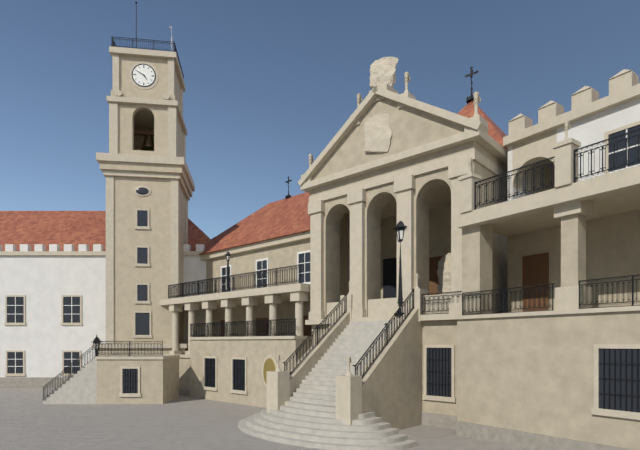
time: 4:50
